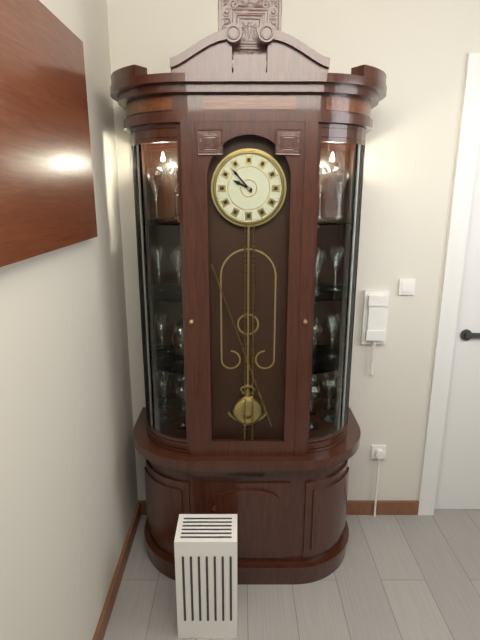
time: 9:53
